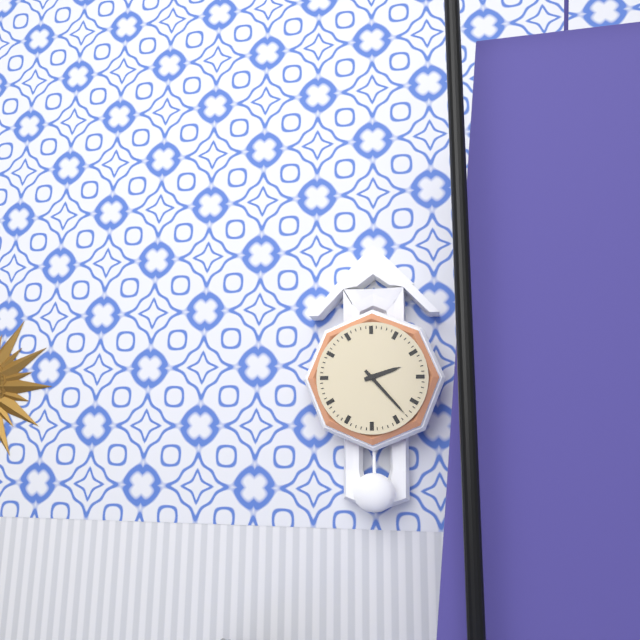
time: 2:23
